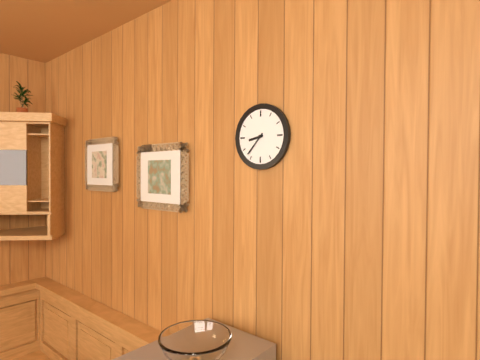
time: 8:37
